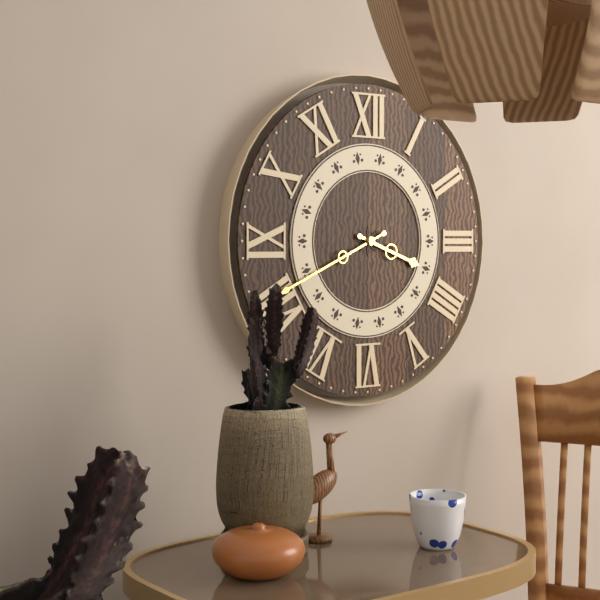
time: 3:41
